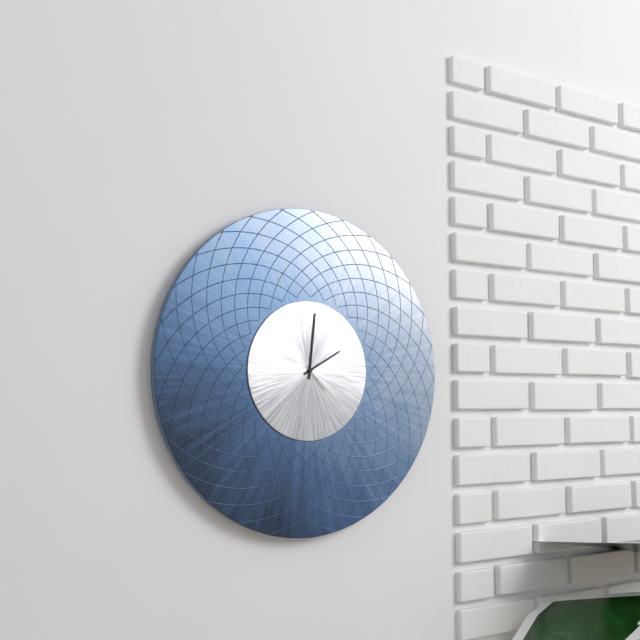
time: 2:01
